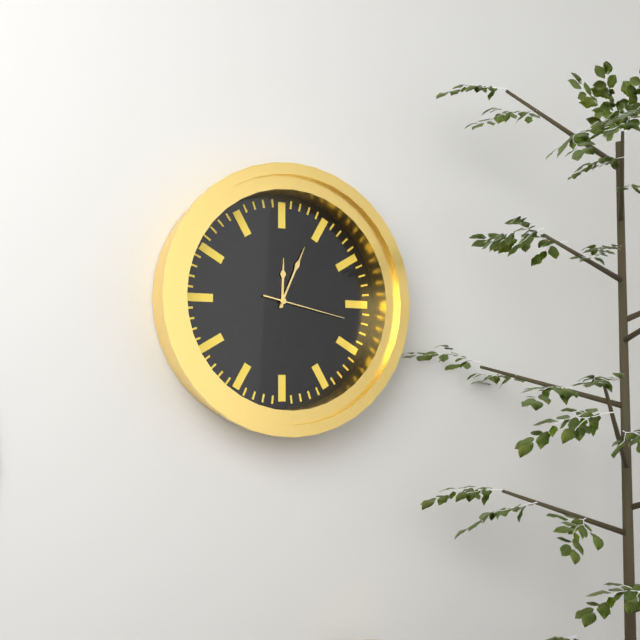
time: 12:04:17
